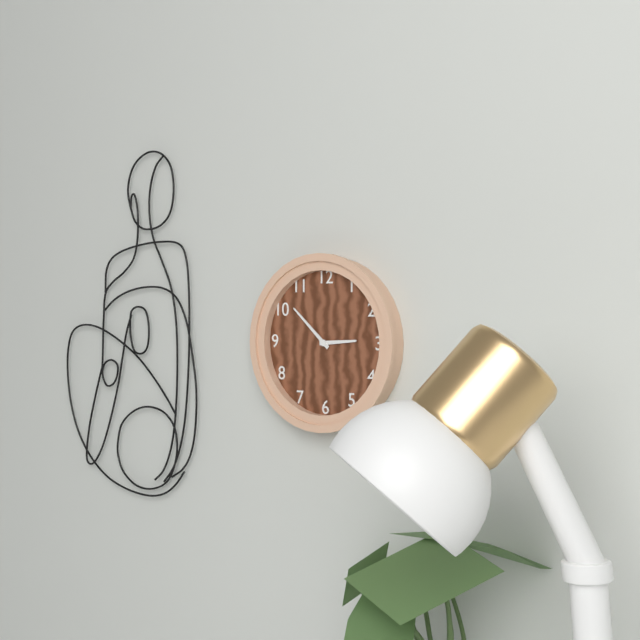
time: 2:52
